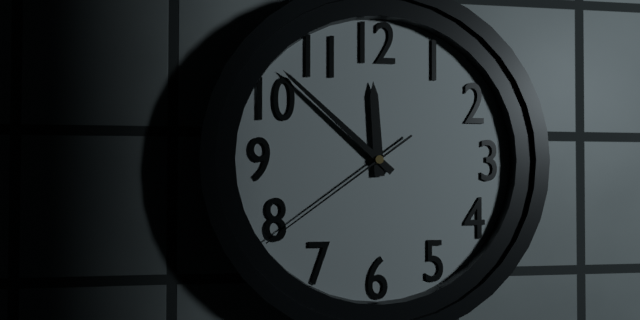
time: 11:52:39
